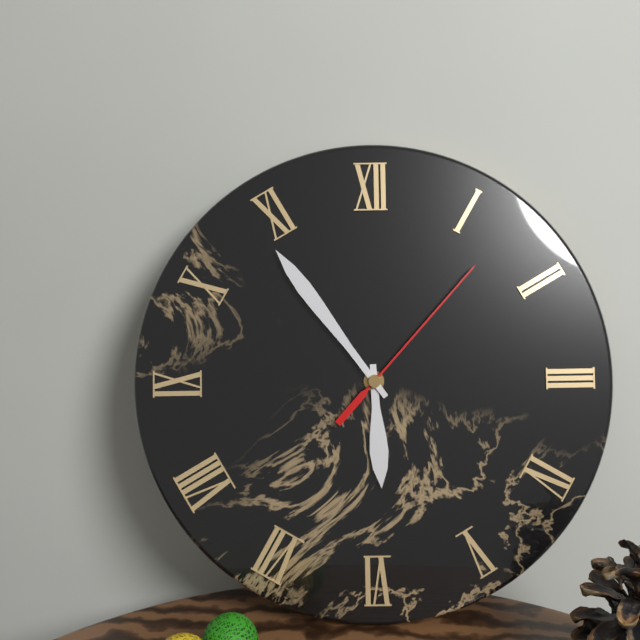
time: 5:54:07
